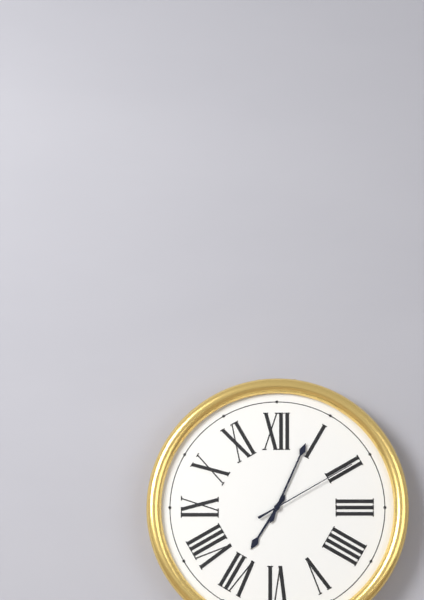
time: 7:04:10
